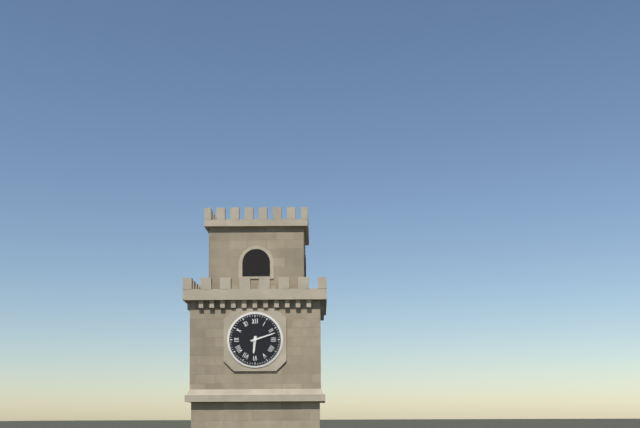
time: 6:12
